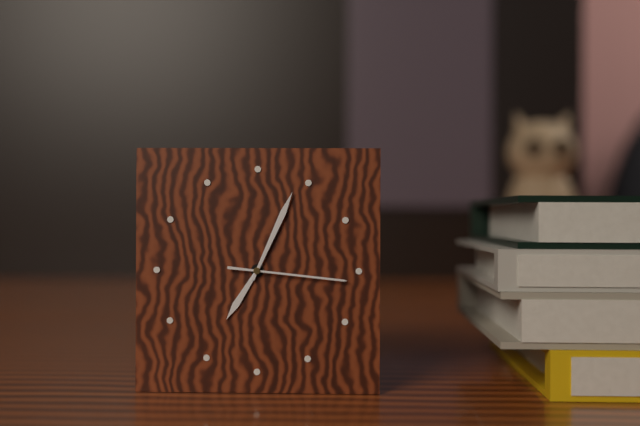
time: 7:04:16
